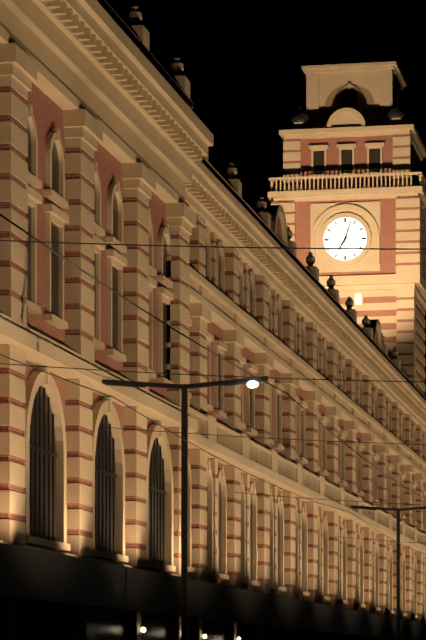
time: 7:03
